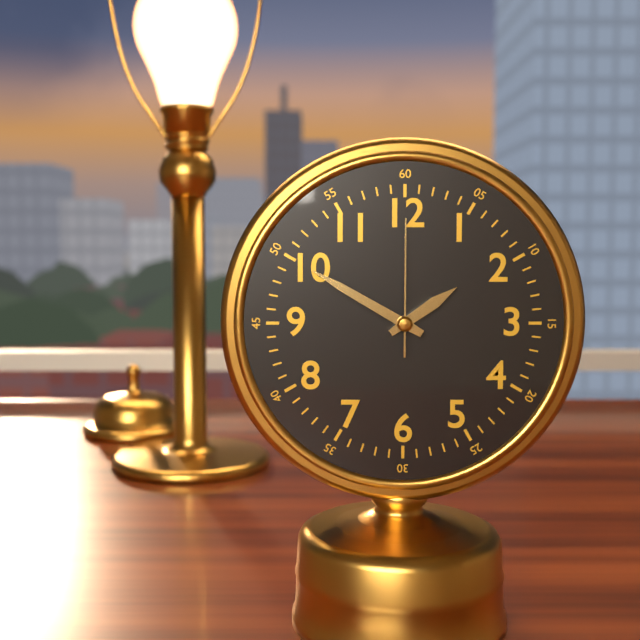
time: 1:50:00
